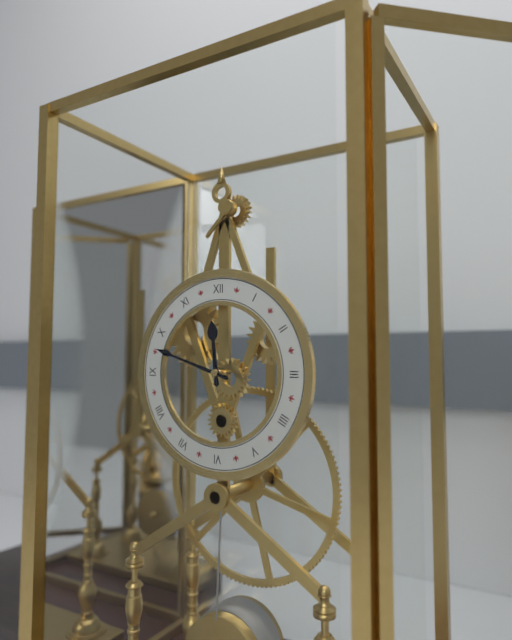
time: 11:48
